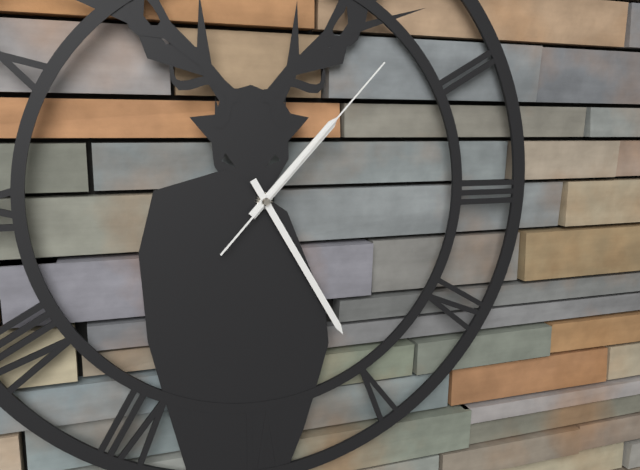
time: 1:25:07
